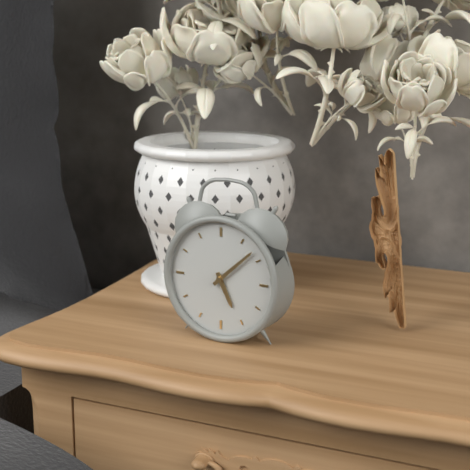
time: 5:08
